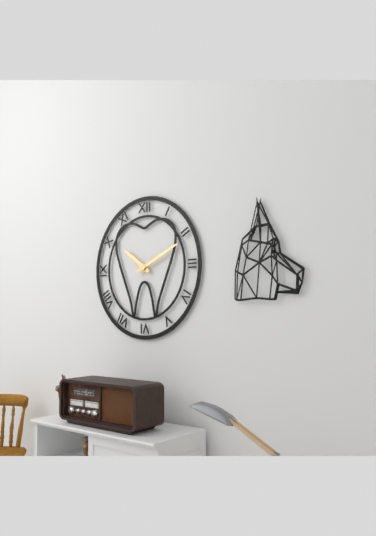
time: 10:11
